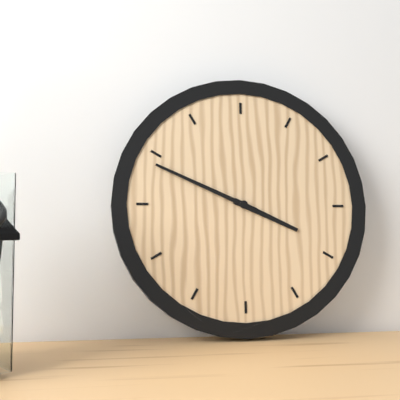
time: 3:49
